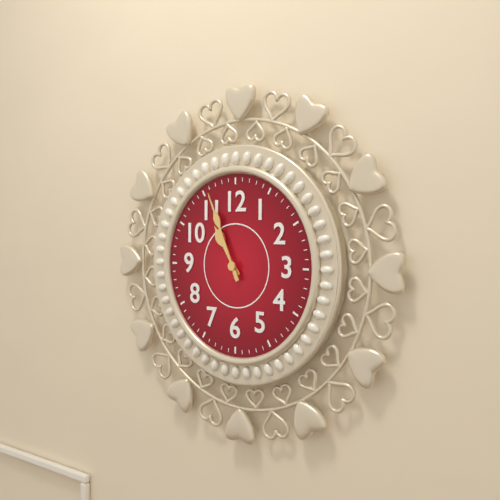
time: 10:56
